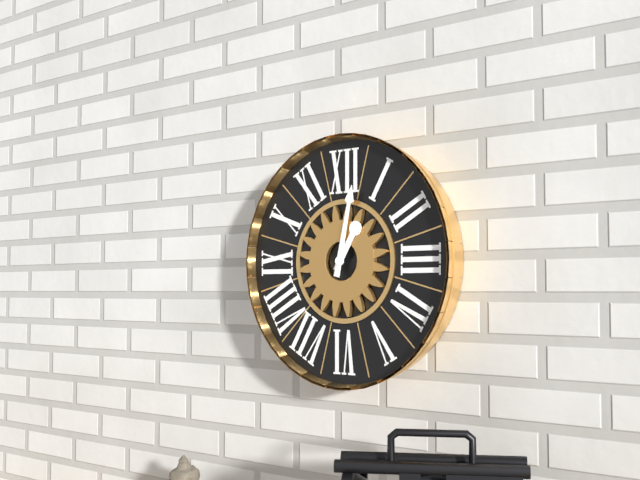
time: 1:02
